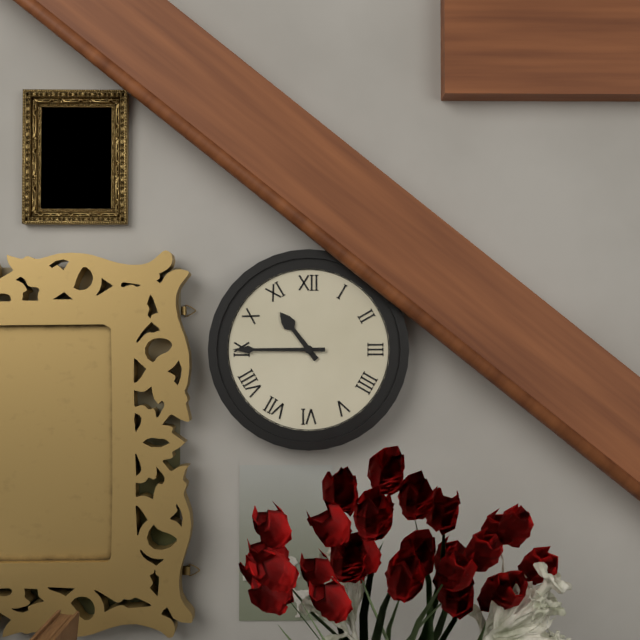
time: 10:45
